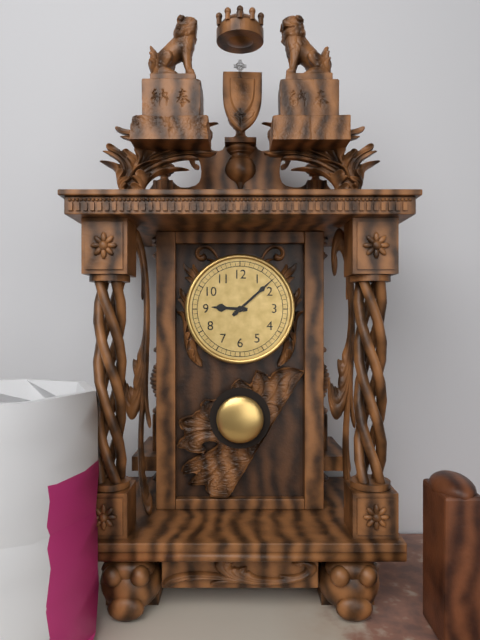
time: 9:08
